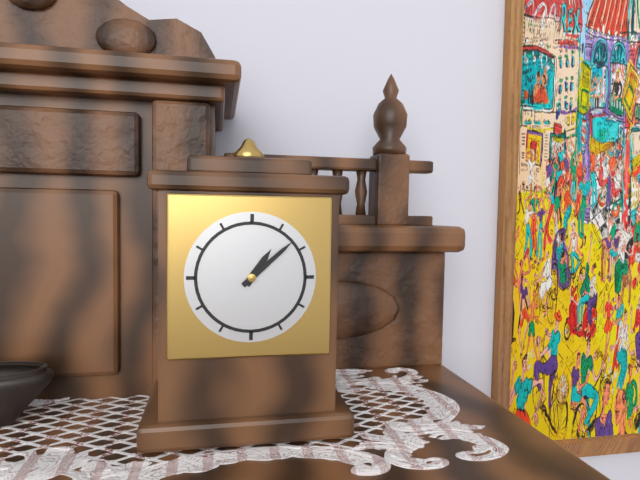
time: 1:08
